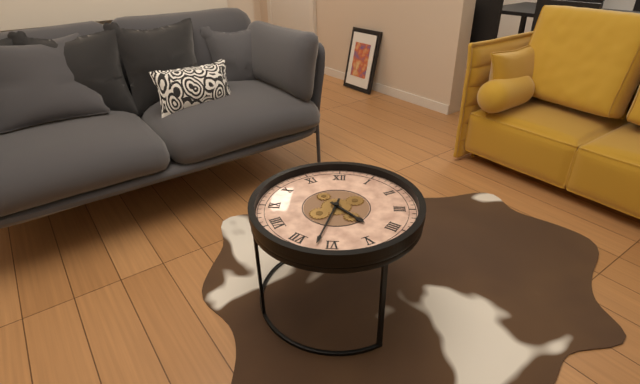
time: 4:32
